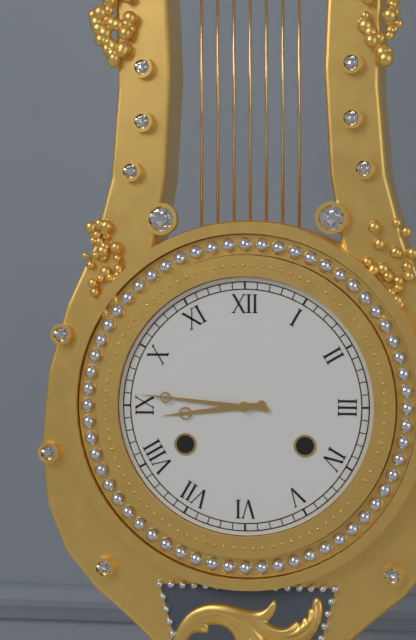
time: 8:46
